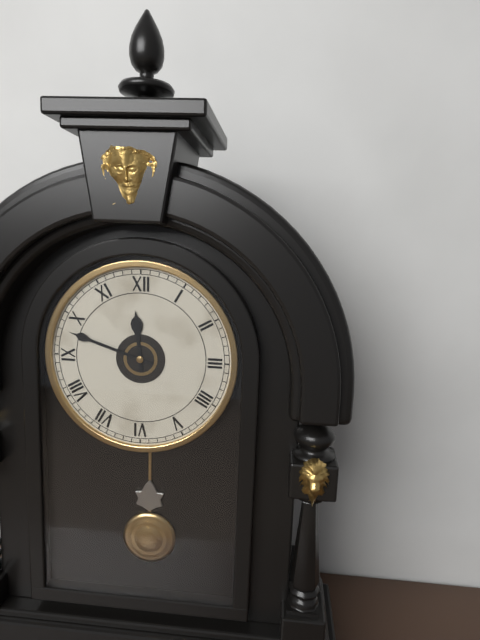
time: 11:48
